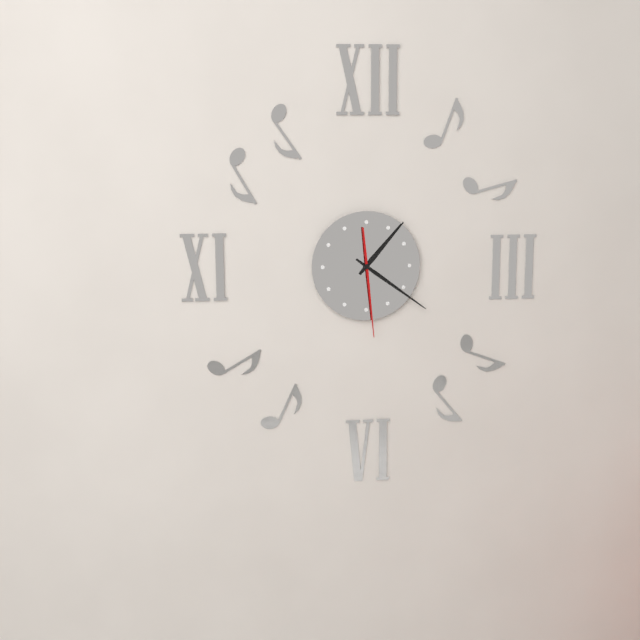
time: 1:21:29
